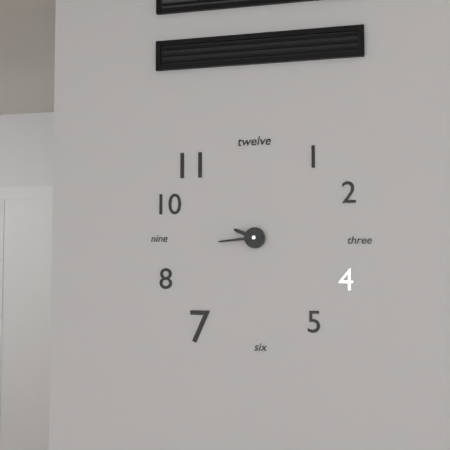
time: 9:44
